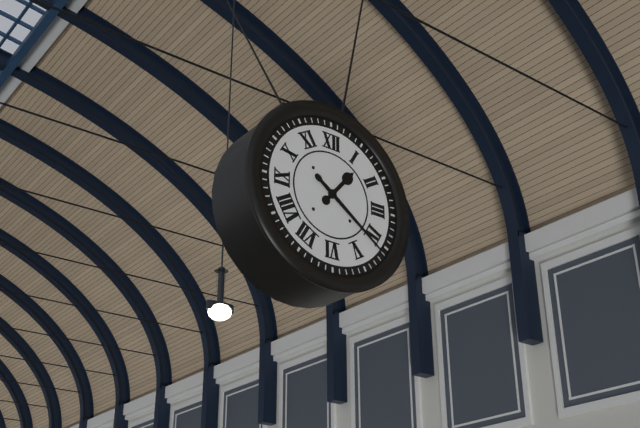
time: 1:21
